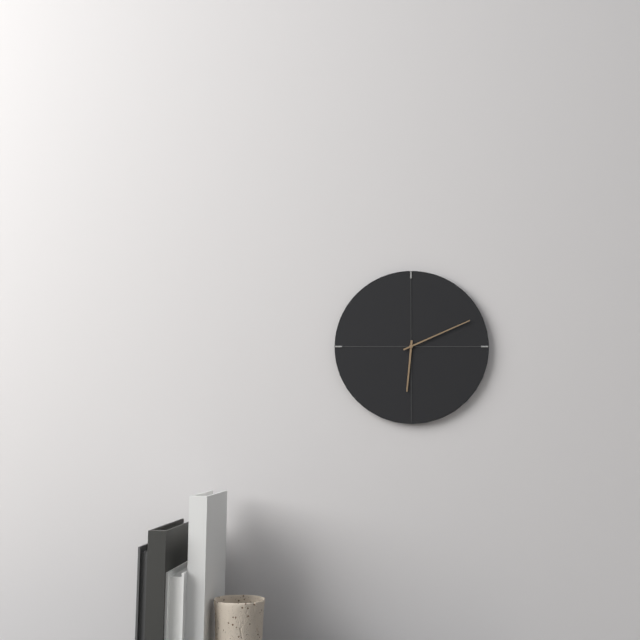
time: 6:11
